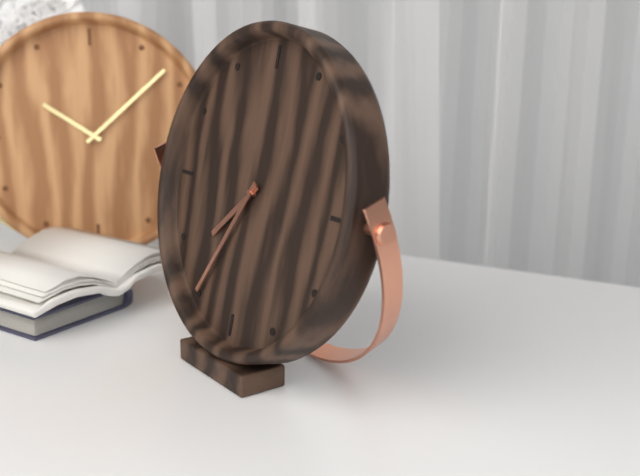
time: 7:35
